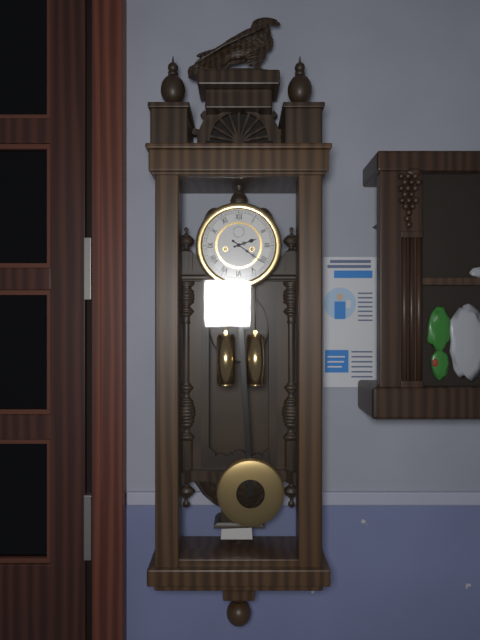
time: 2:21
